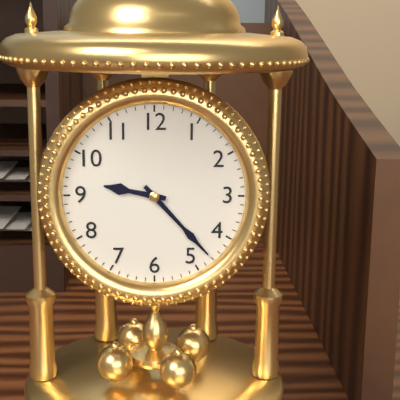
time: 9:23
